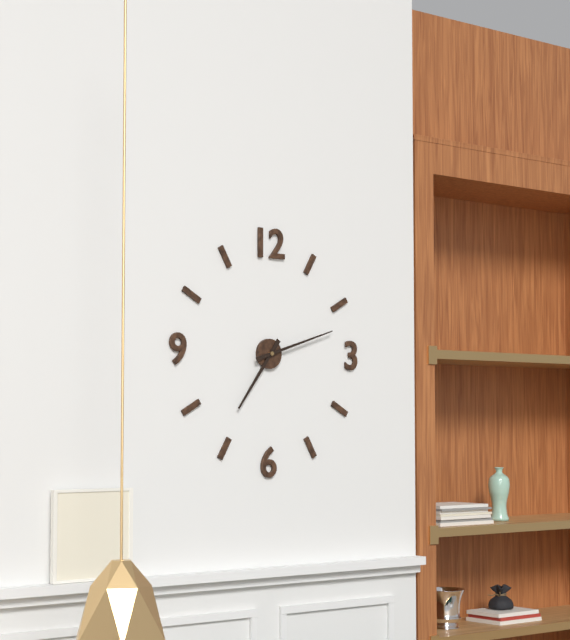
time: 7:12
